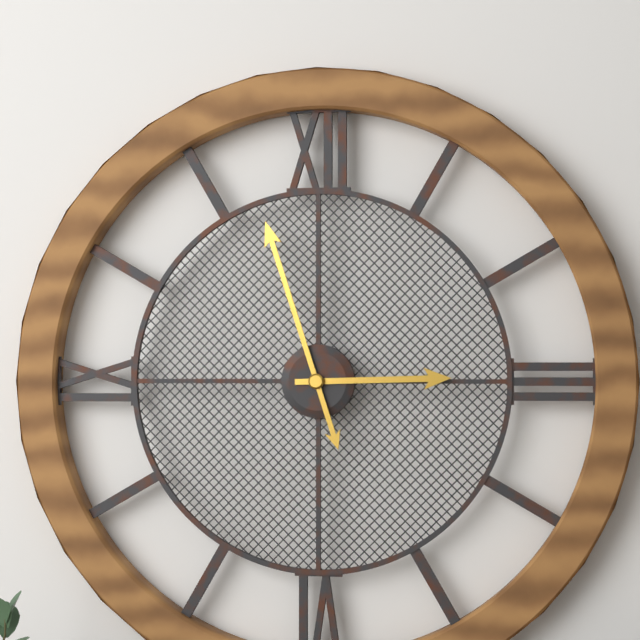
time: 2:57
